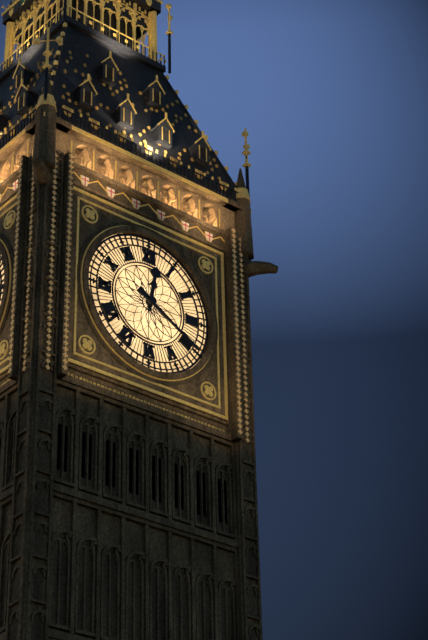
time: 12:20
